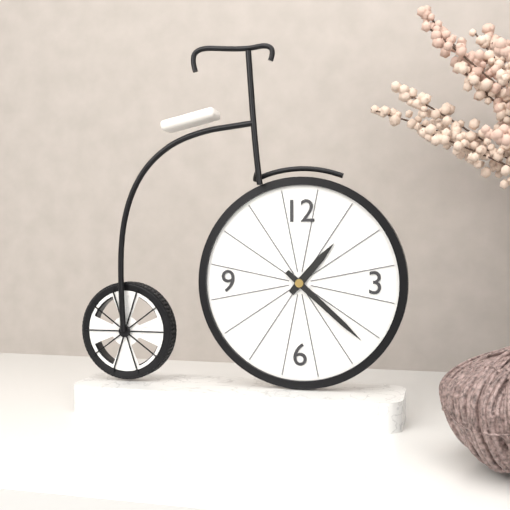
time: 1:22
